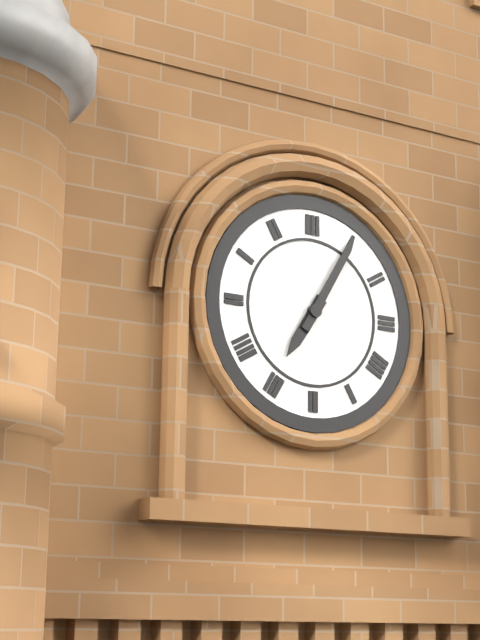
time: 7:05
